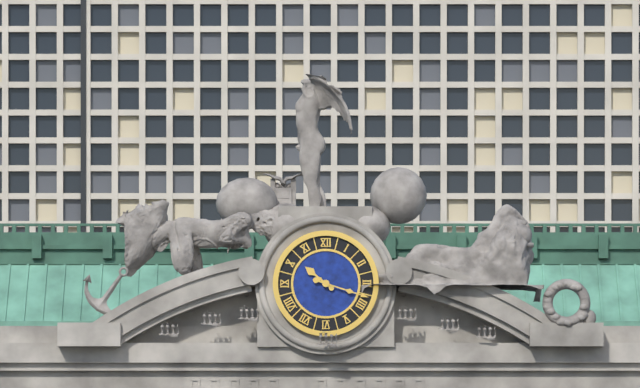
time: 10:18
